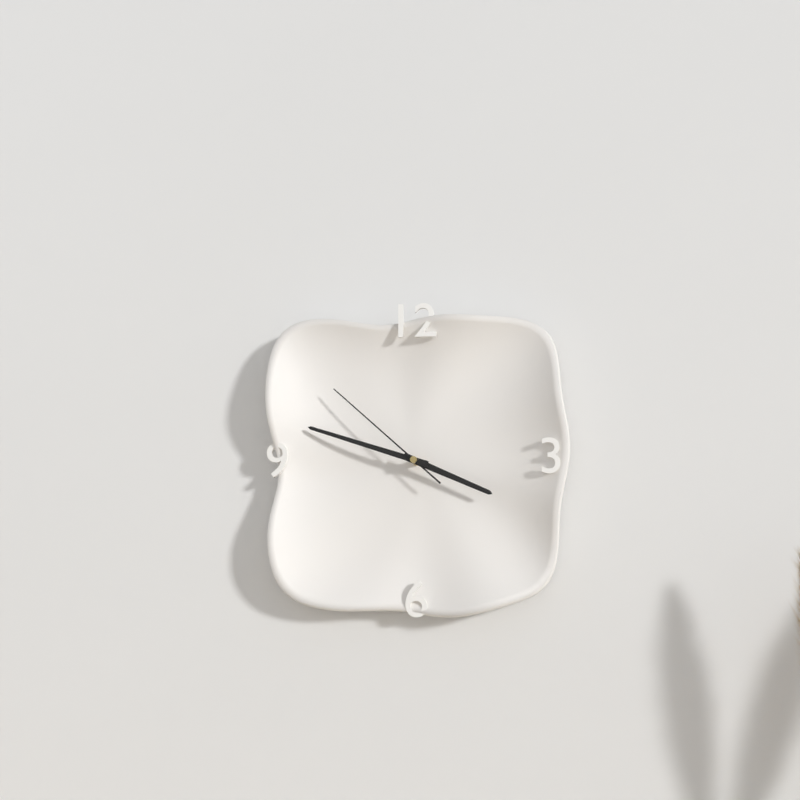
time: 3:48:52
